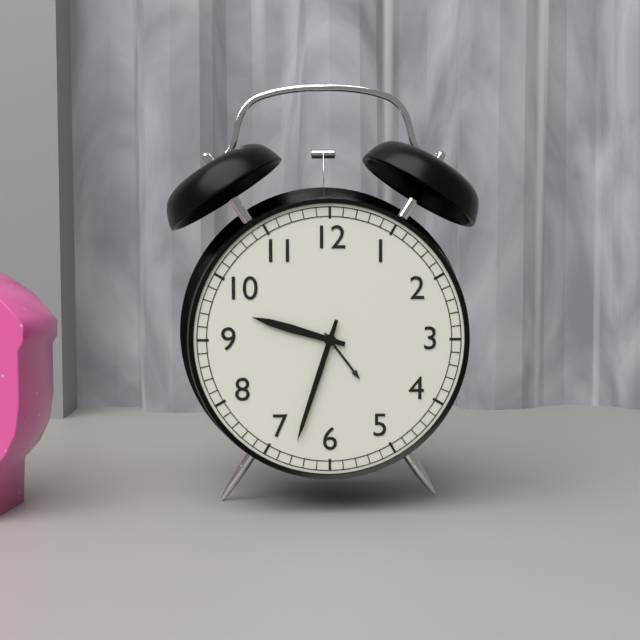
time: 9:33
